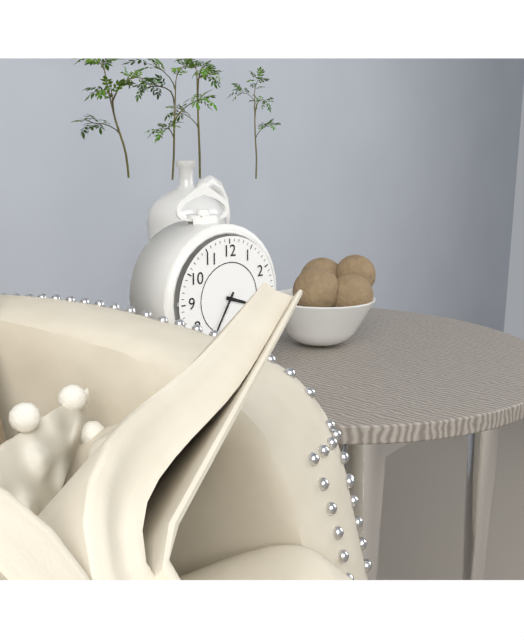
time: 3:35
